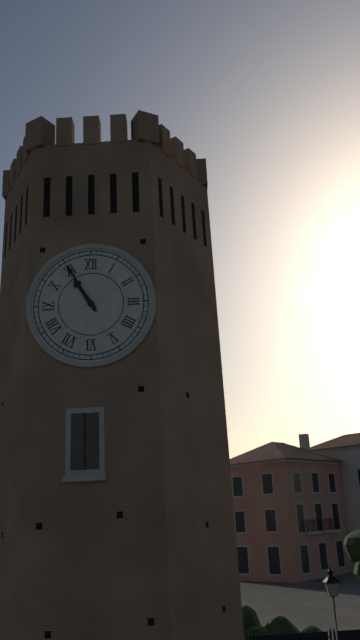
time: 10:55
